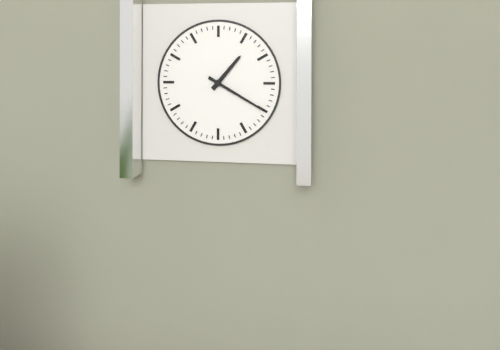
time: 1:20
